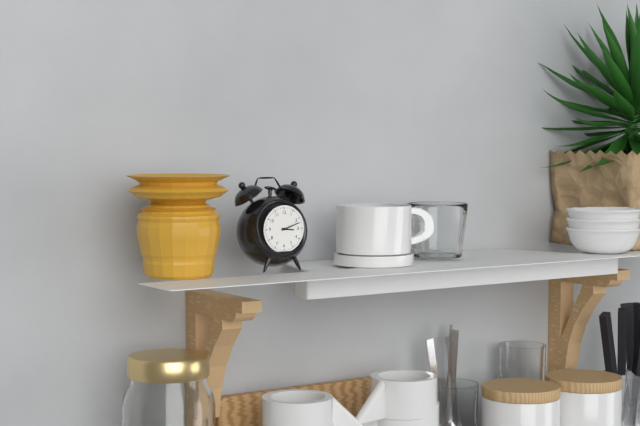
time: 3:12
